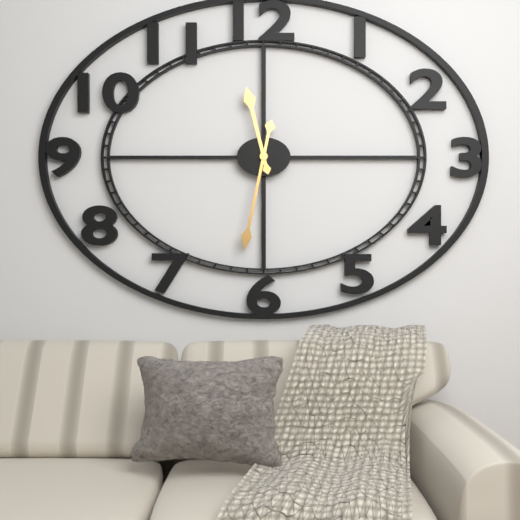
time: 11:32
